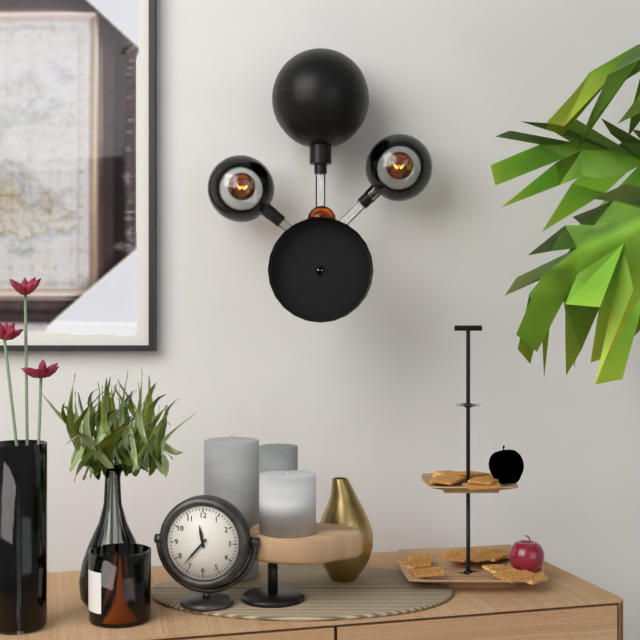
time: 11:37
